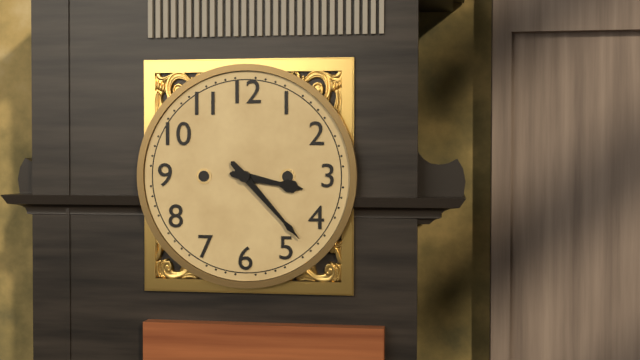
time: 3:23
